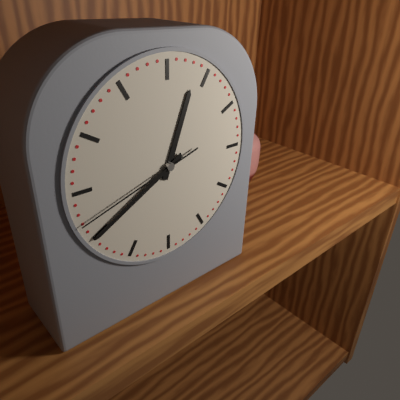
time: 12:40:42
